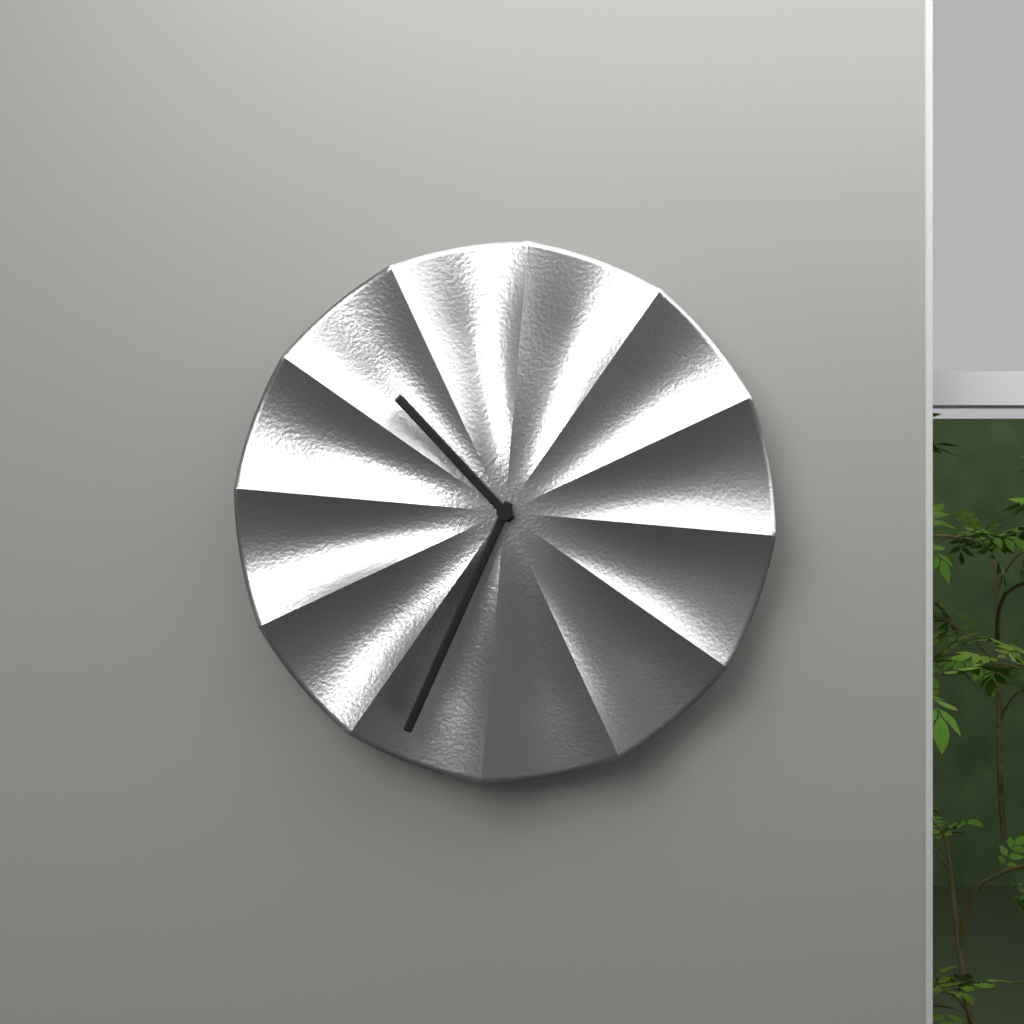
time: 10:34
